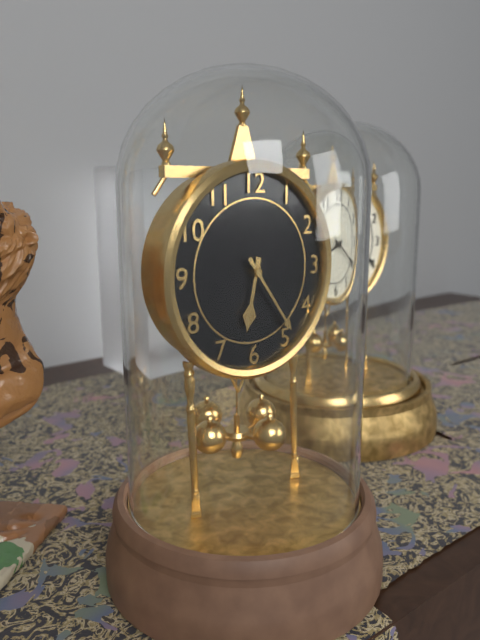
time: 6:24
